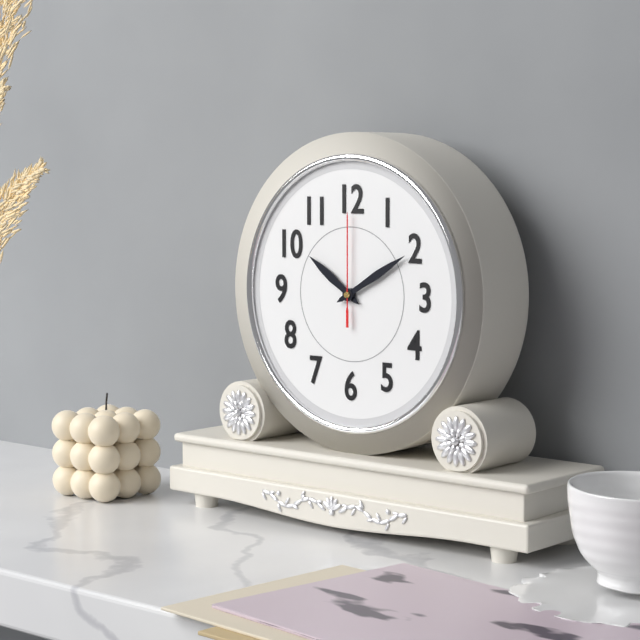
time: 10:10:00
